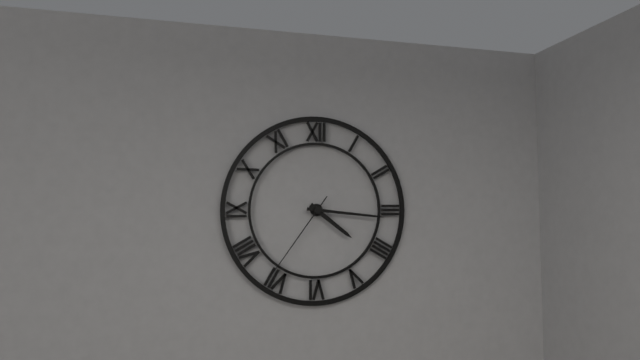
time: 4:16:36
